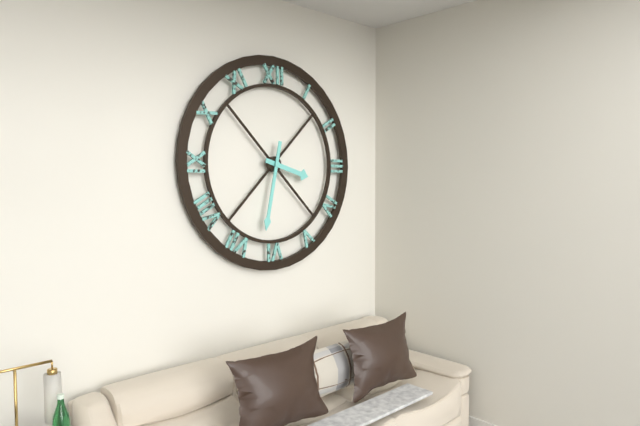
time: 3:32
